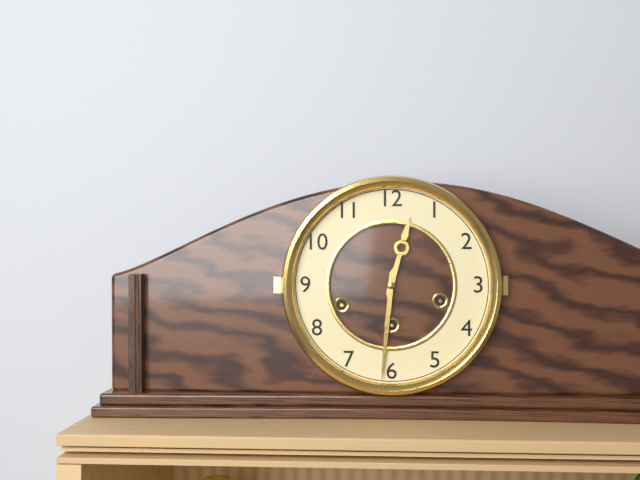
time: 12:31
